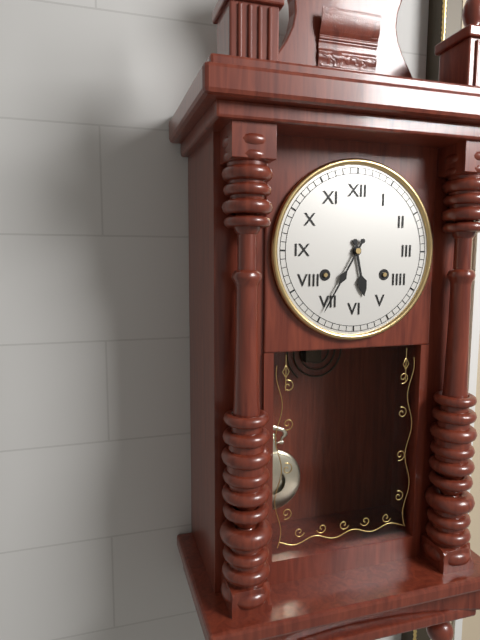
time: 5:35
